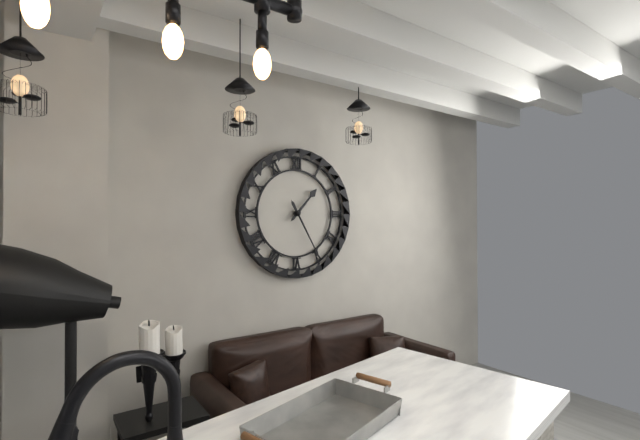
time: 1:25
